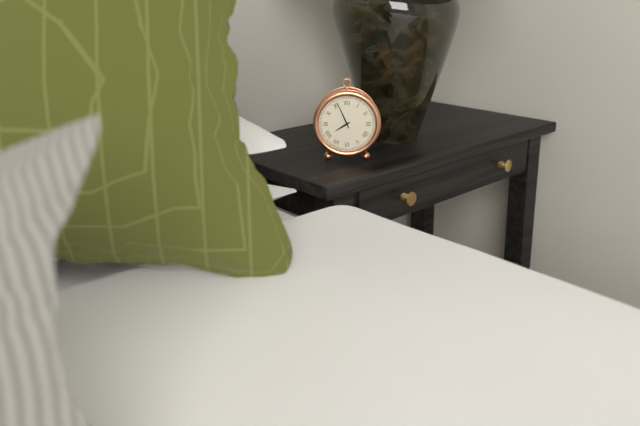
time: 7:56
